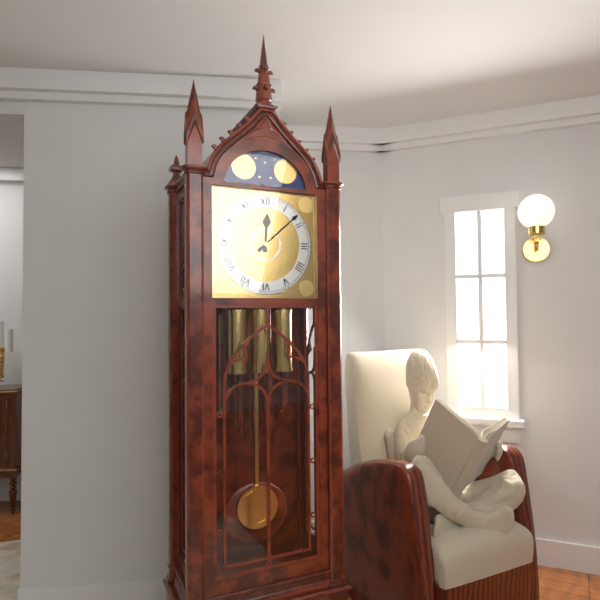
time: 12:08
